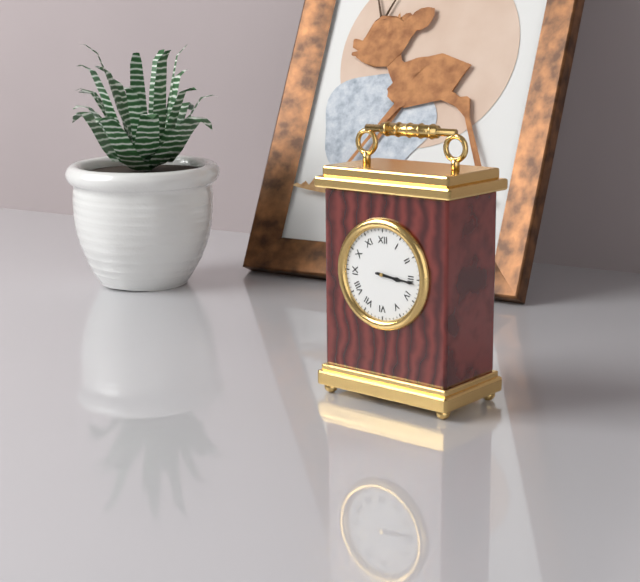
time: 3:16
